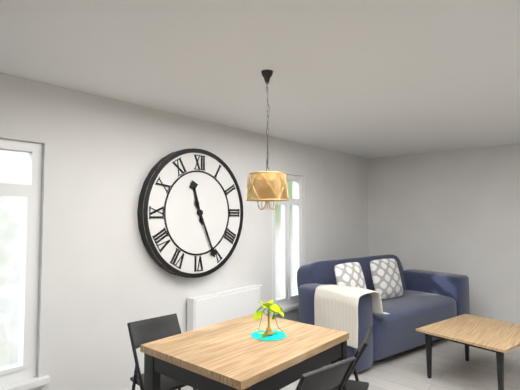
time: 11:26
